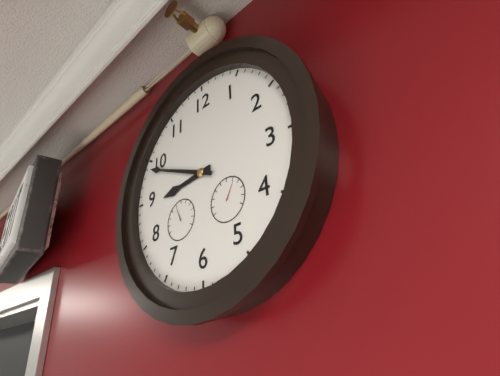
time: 8:49
